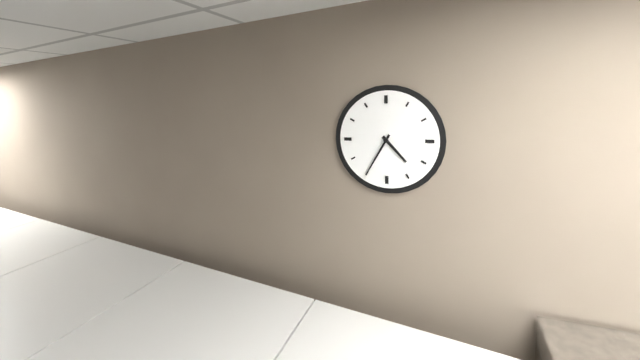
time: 4:35
